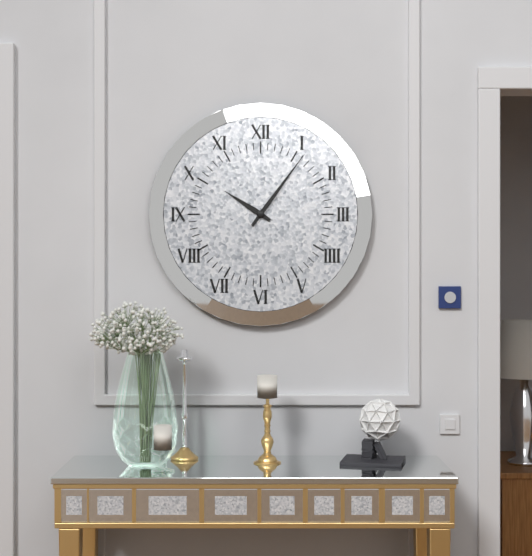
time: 10:06
